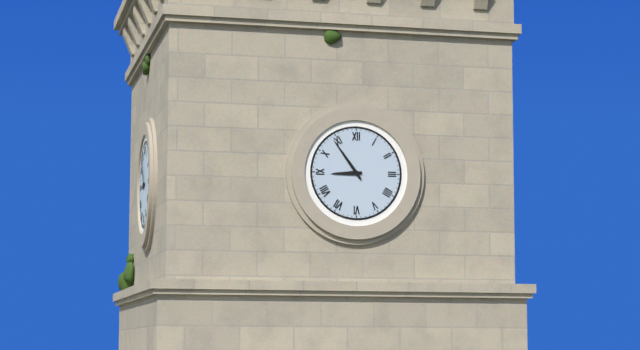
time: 8:54
